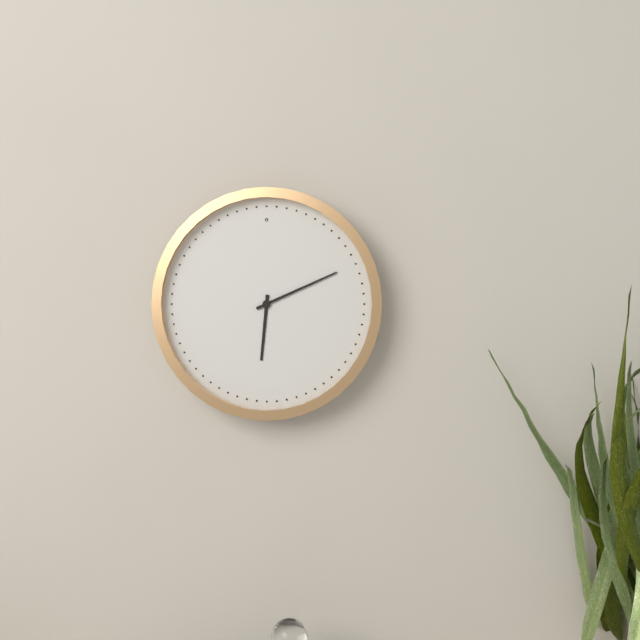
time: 6:11
